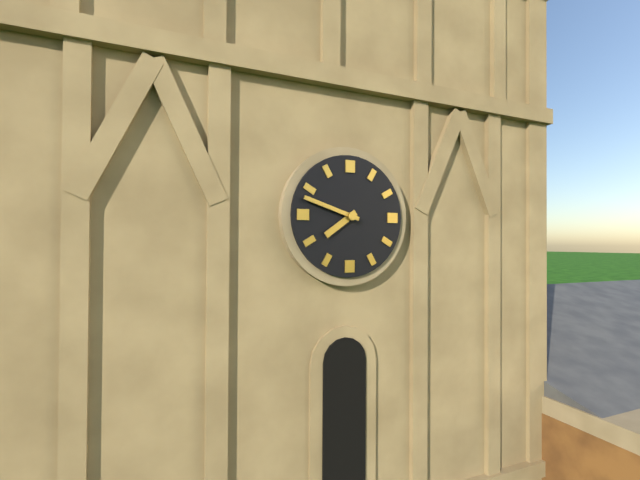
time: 7:48
